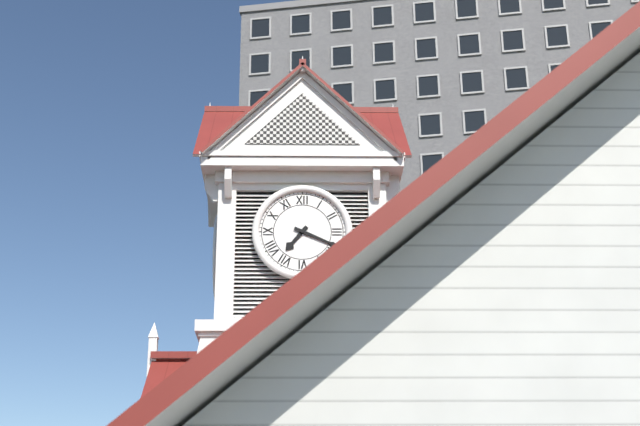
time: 7:19
